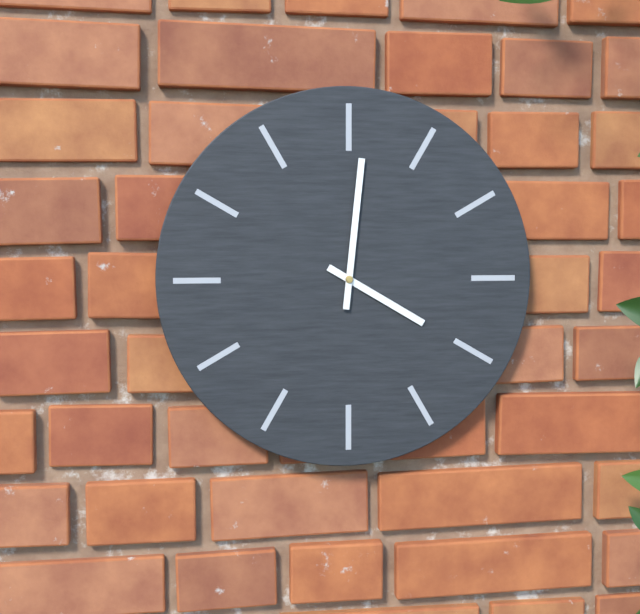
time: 4:01
